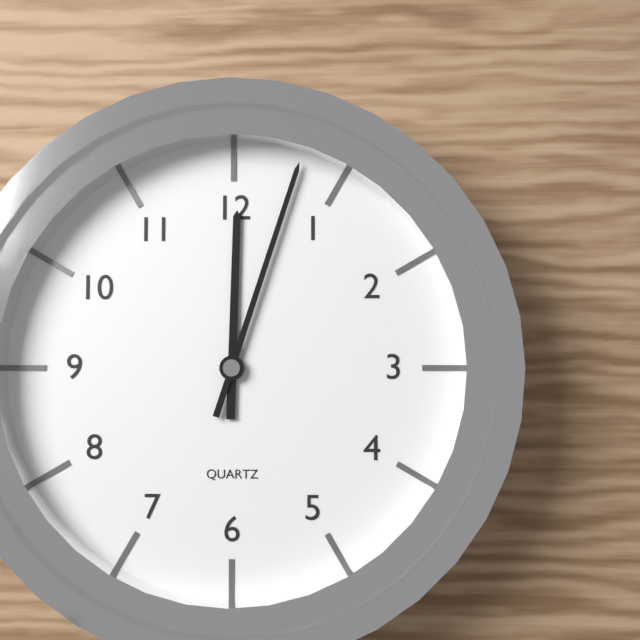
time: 12:03
